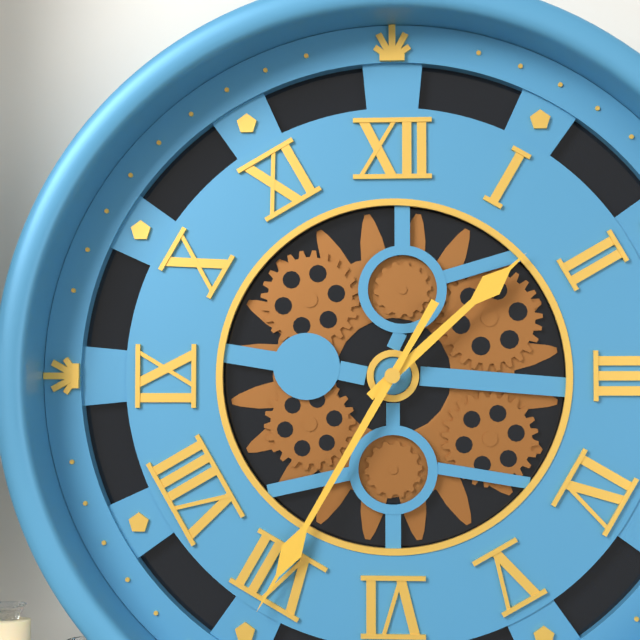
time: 1:35
